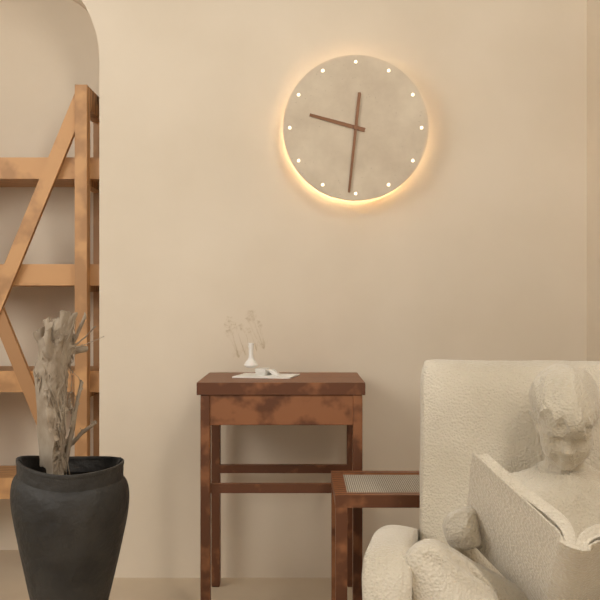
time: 9:31
